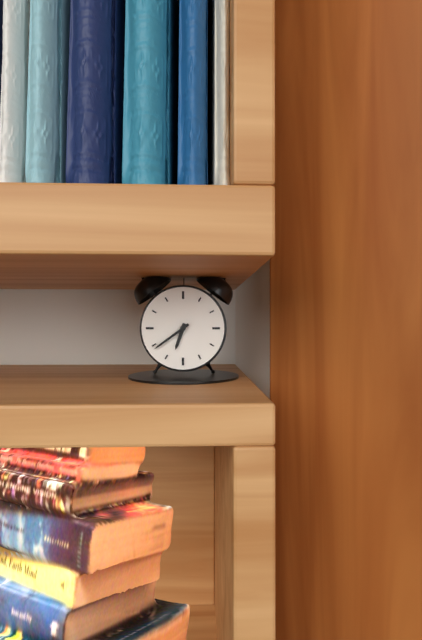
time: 6:39
